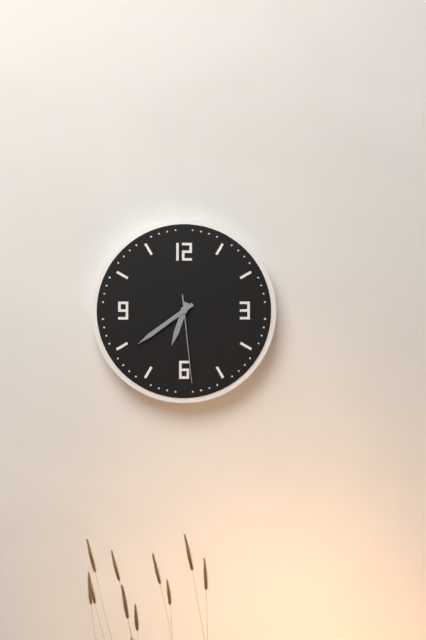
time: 6:39:29
